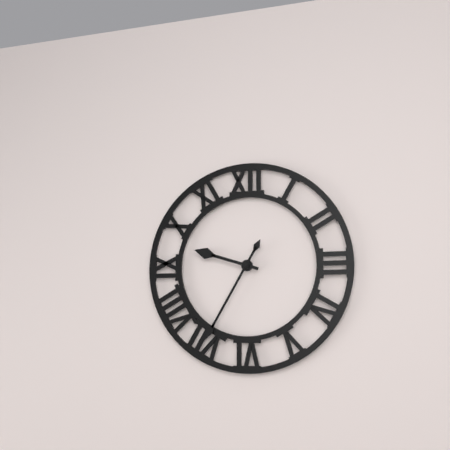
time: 9:35
